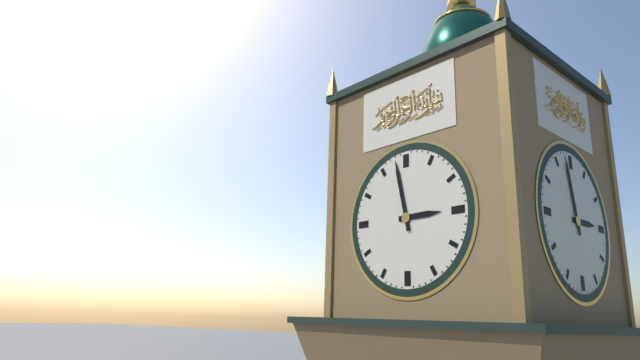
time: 2:58
